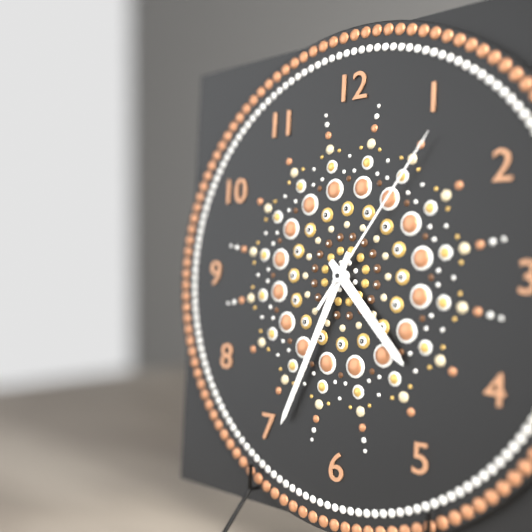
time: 4:34:06
